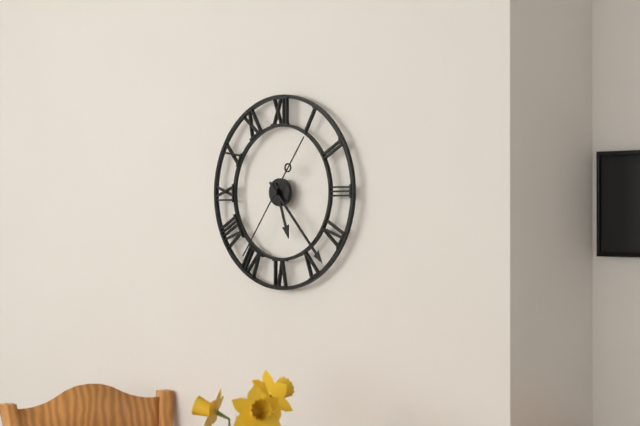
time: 5:23:36
